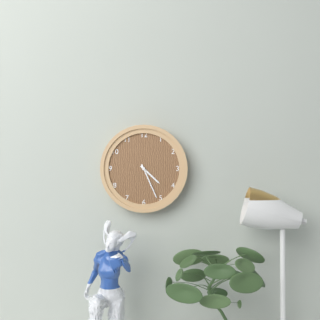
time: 4:26
